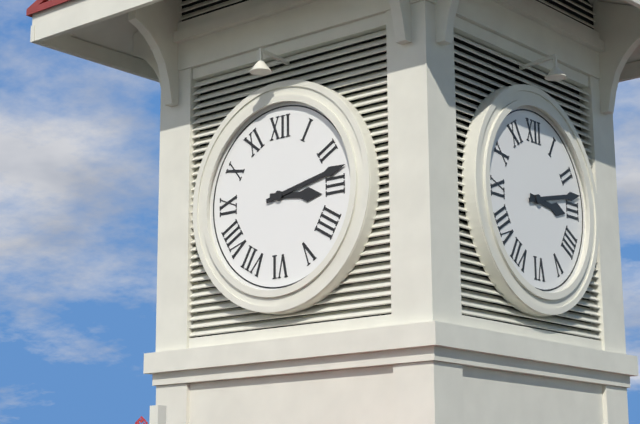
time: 3:13
